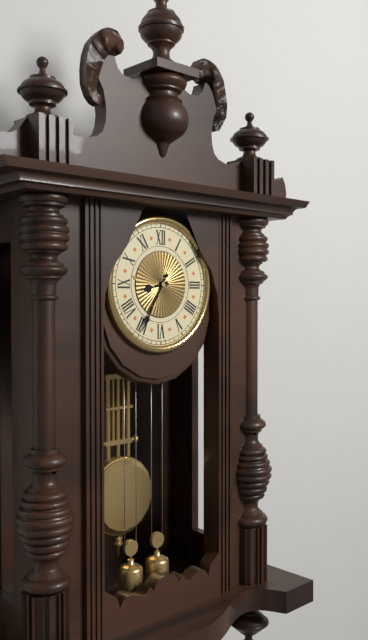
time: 8:35
